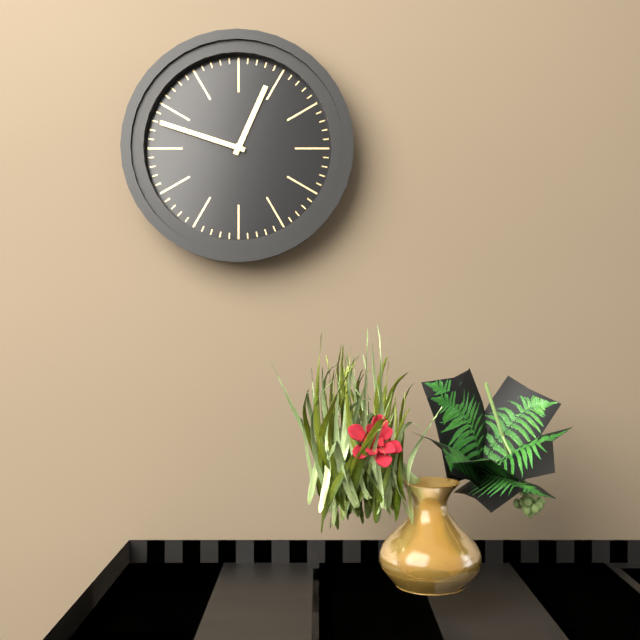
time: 12:48
